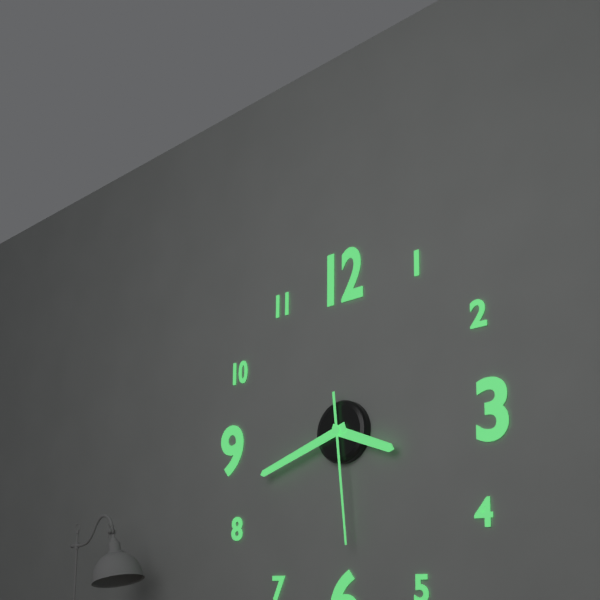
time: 3:42:29
